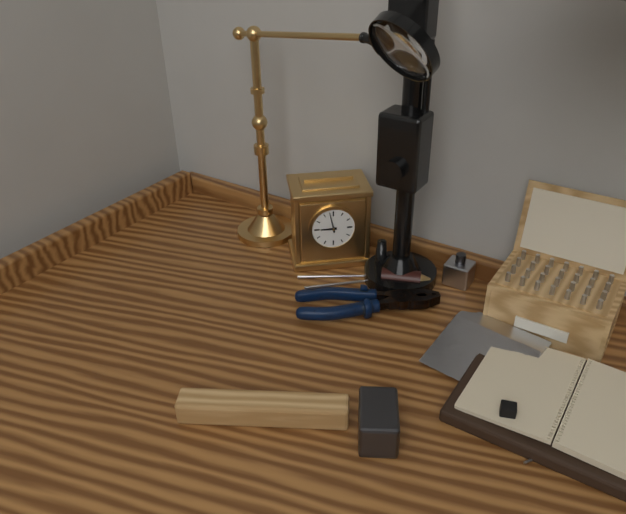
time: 8:58
